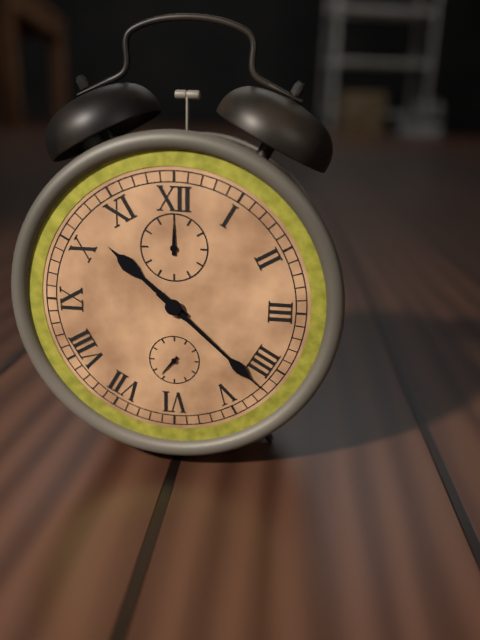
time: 10:22
